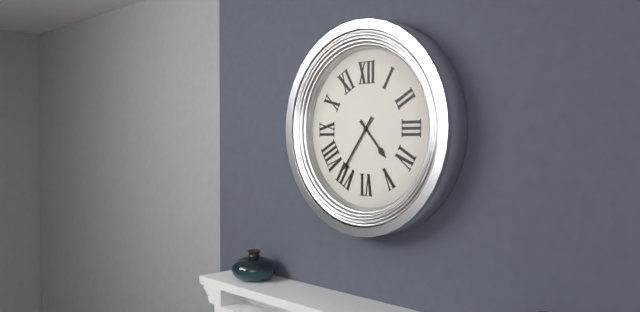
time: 4:36
